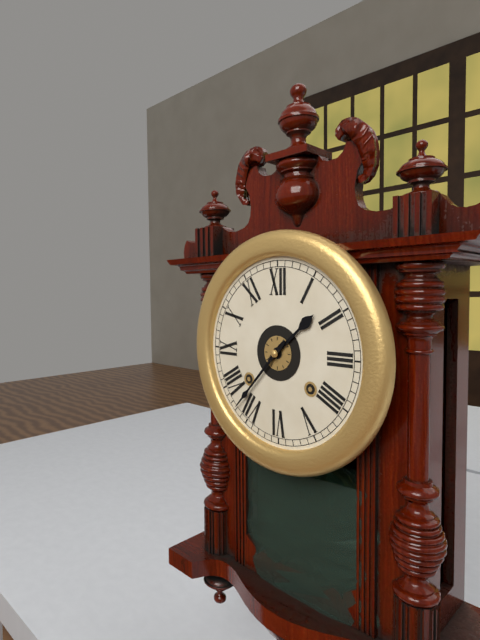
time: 1:37
